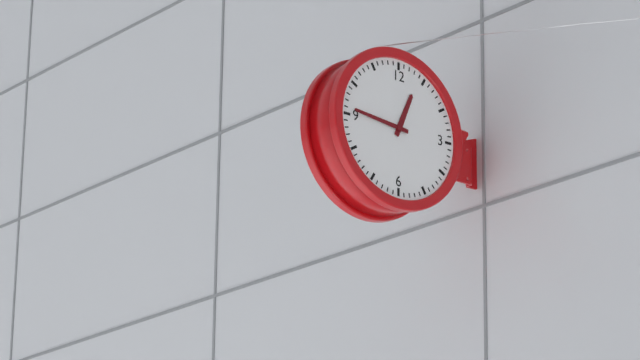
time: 12:46
